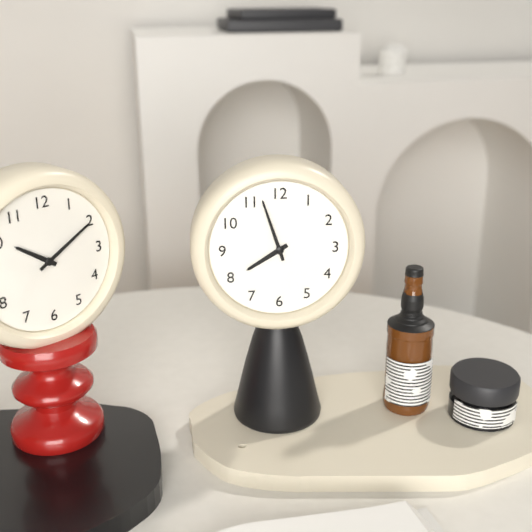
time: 7:57
